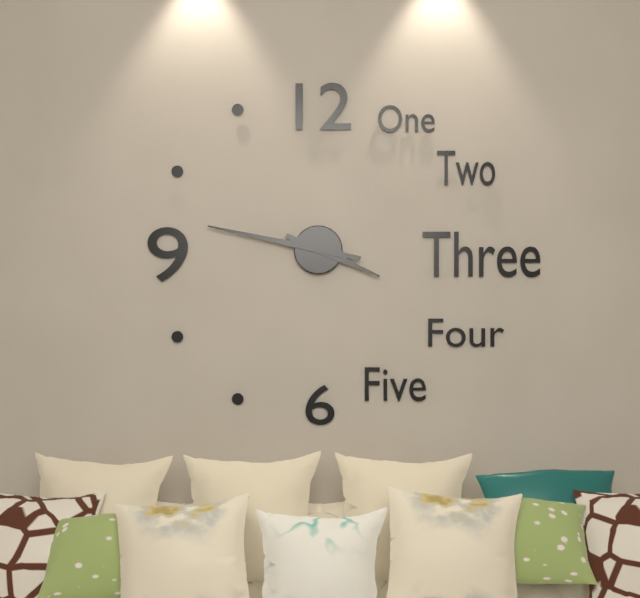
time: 3:47
